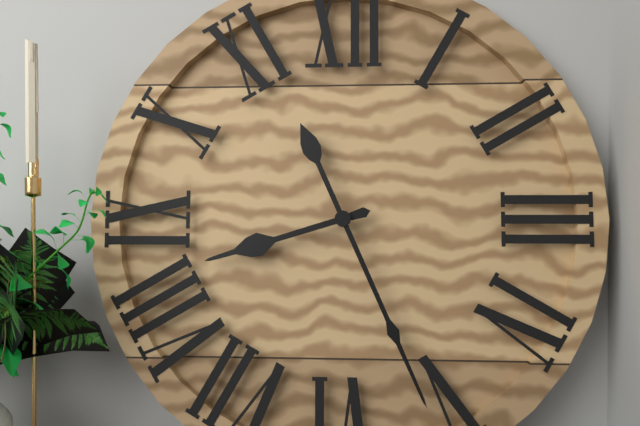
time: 8:26
